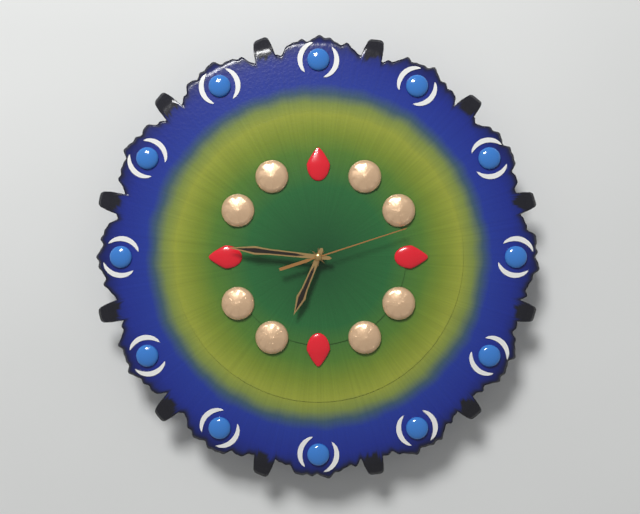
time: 6:46:12
